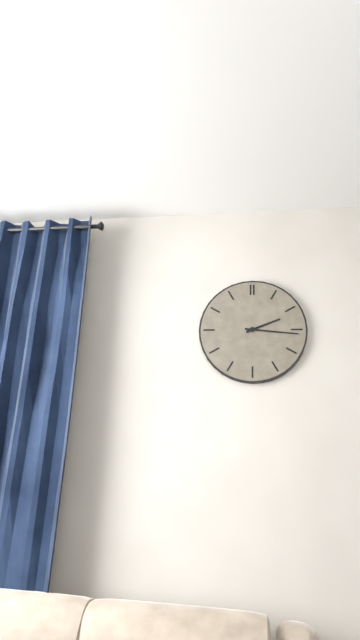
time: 2:16
